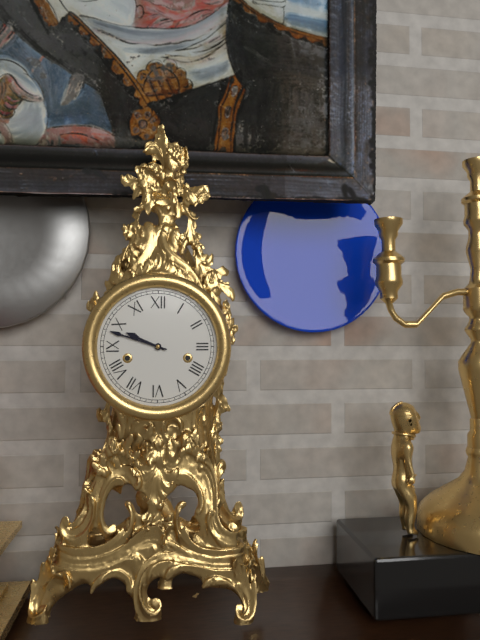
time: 9:48
